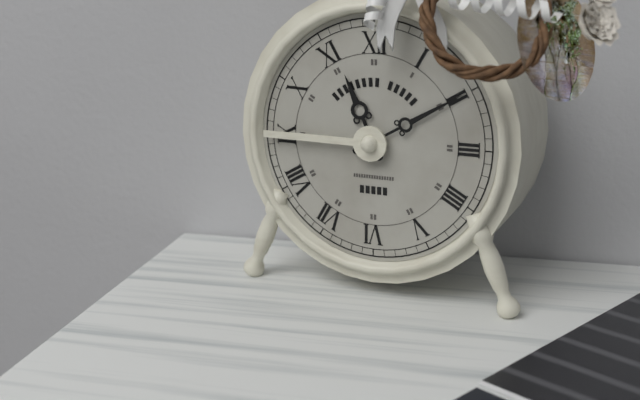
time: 11:10
